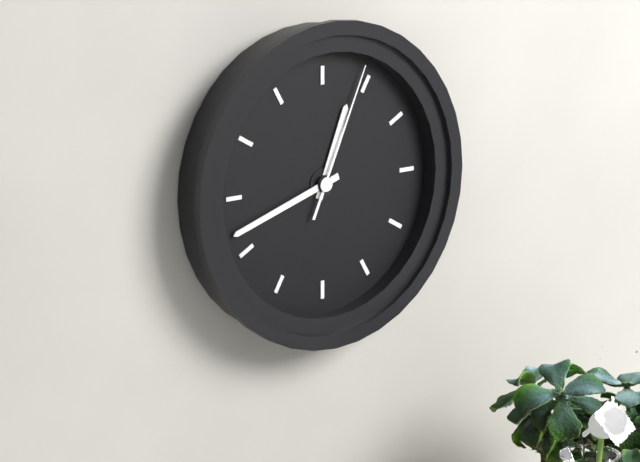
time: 12:42:04
